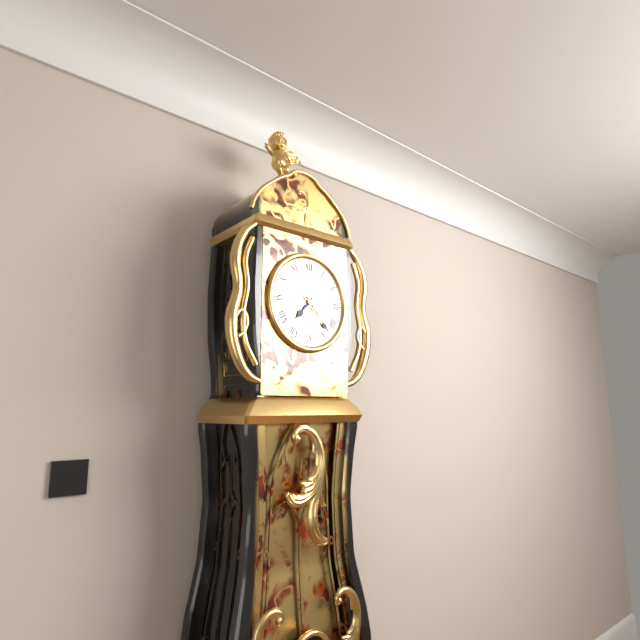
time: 7:23
